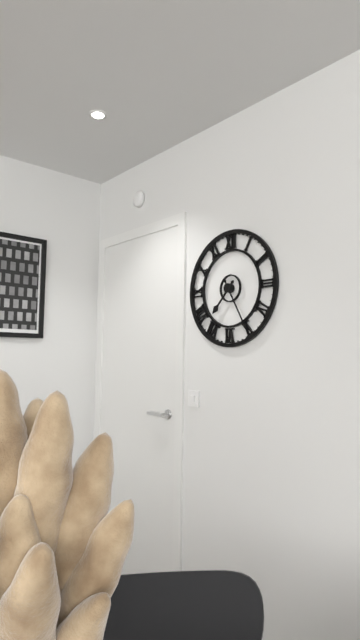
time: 7:25
